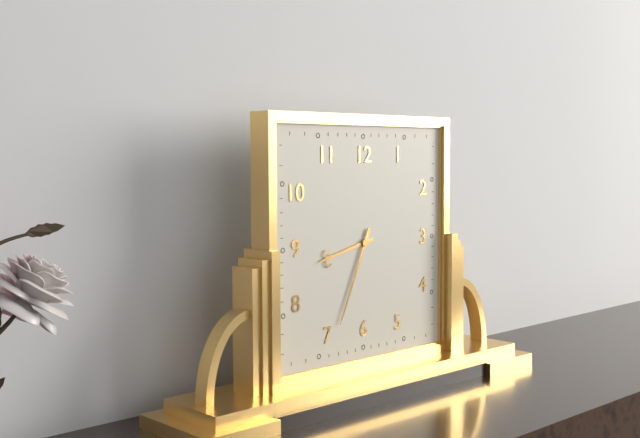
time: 8:34
